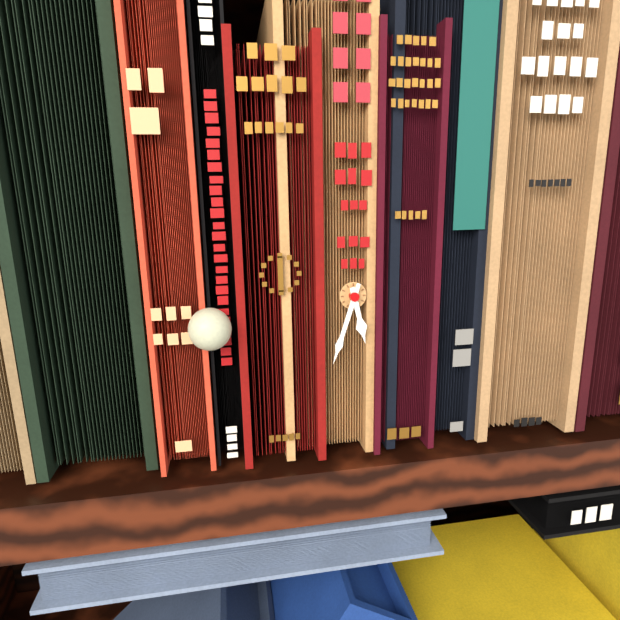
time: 5:33
